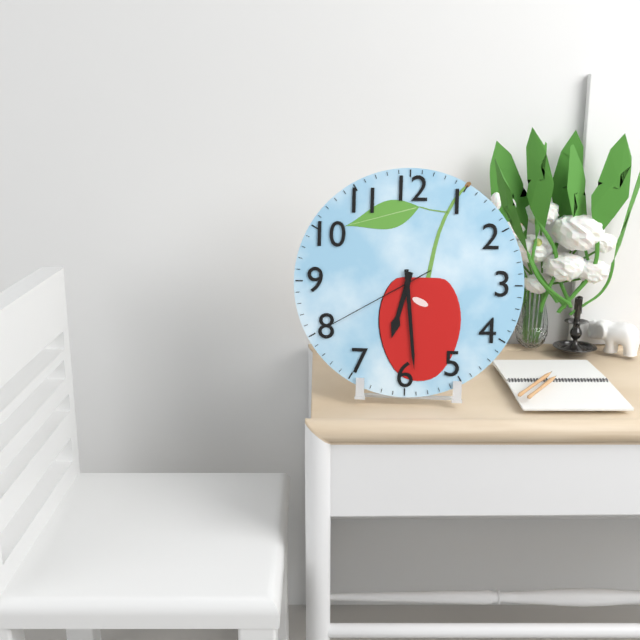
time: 6:29:40
